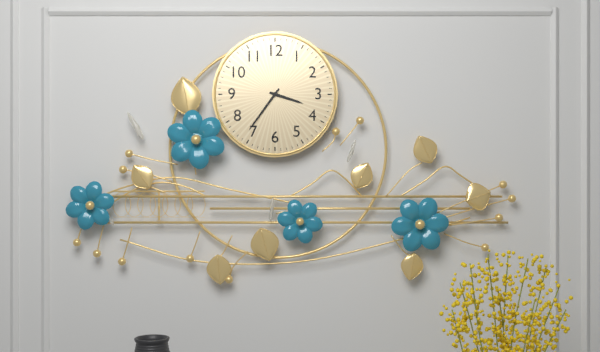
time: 3:36
